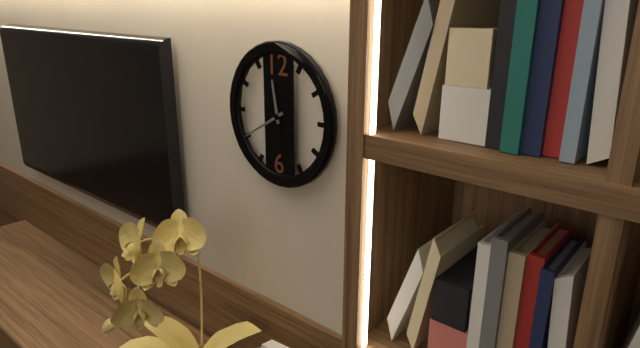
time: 11:40
